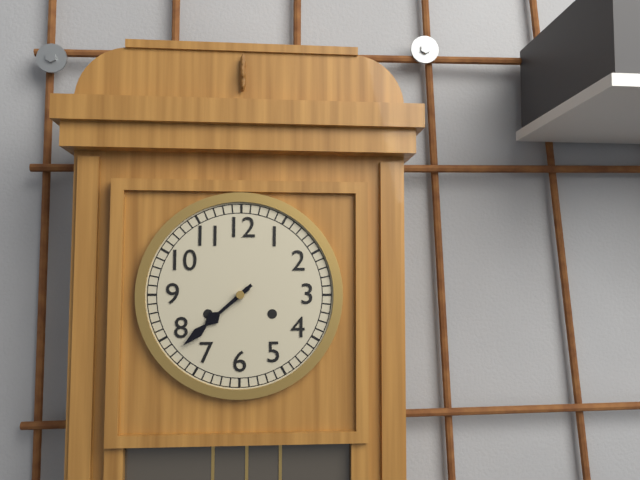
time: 7:38
